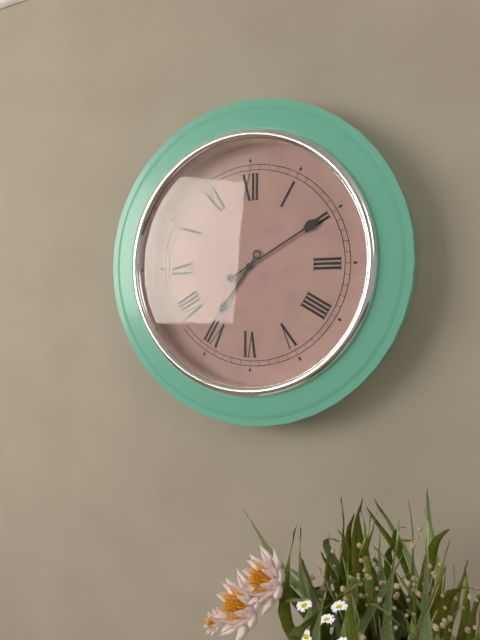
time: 7:10
